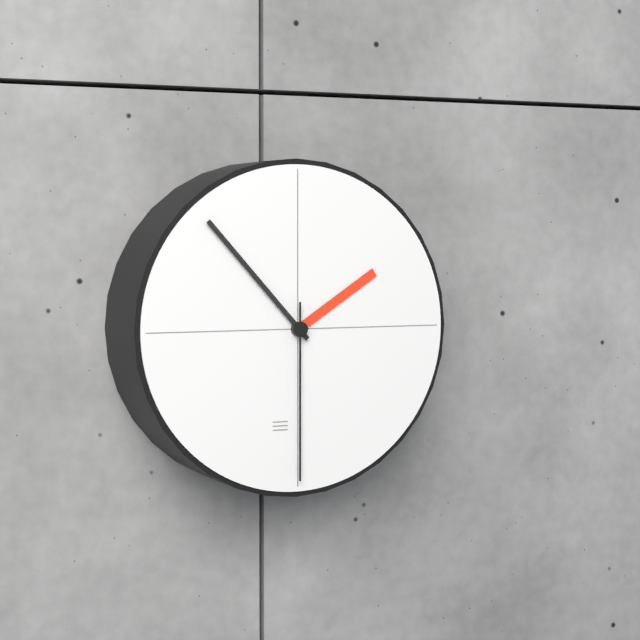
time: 1:53:30
